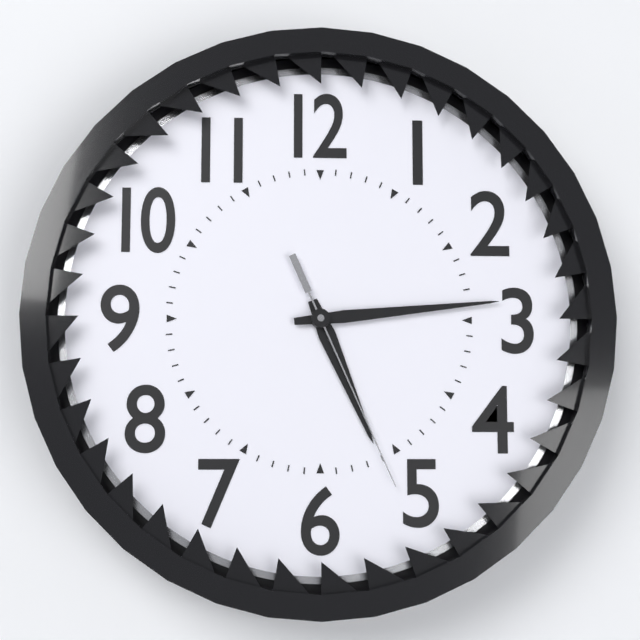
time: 5:14:26
